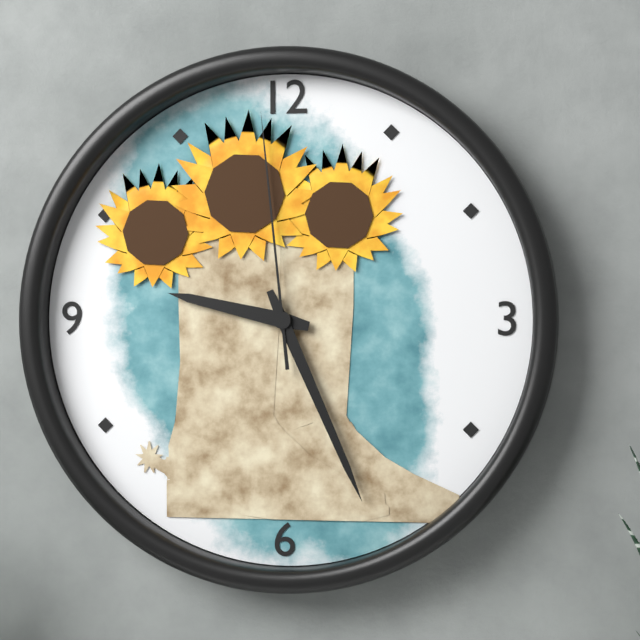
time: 9:26:59
